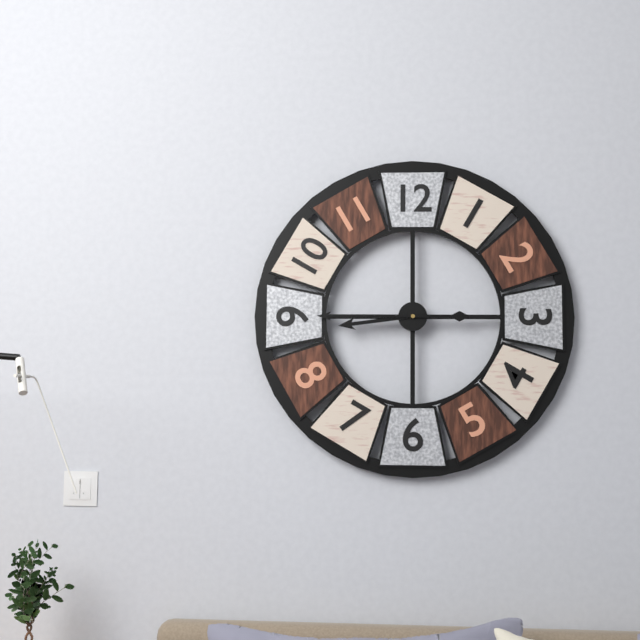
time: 8:45
